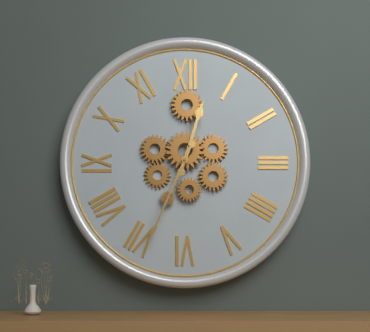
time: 12:34
